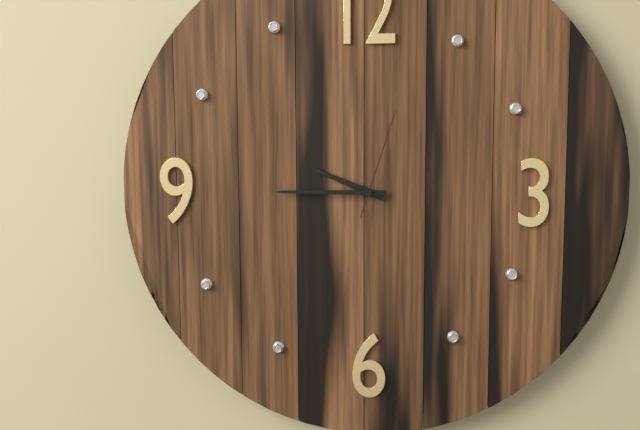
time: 9:45:03
